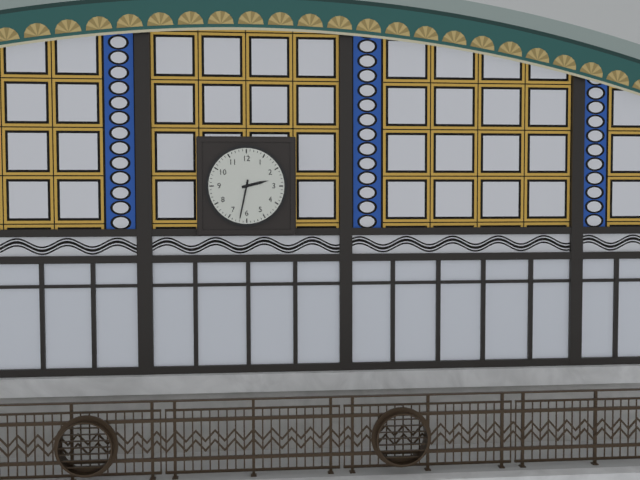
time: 2:32
